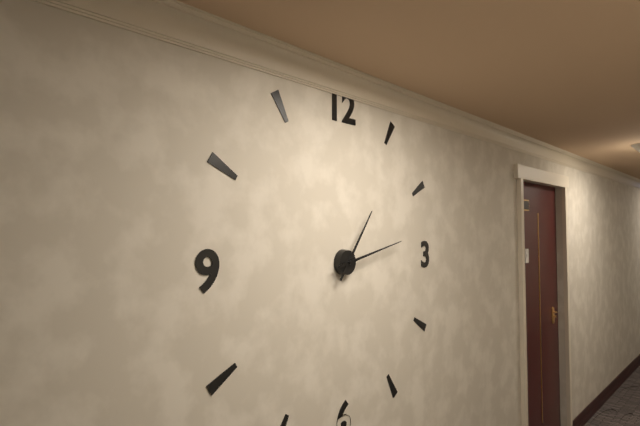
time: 1:13
